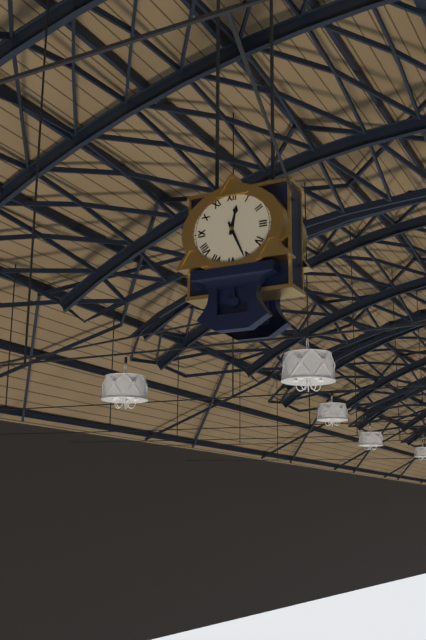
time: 12:26
